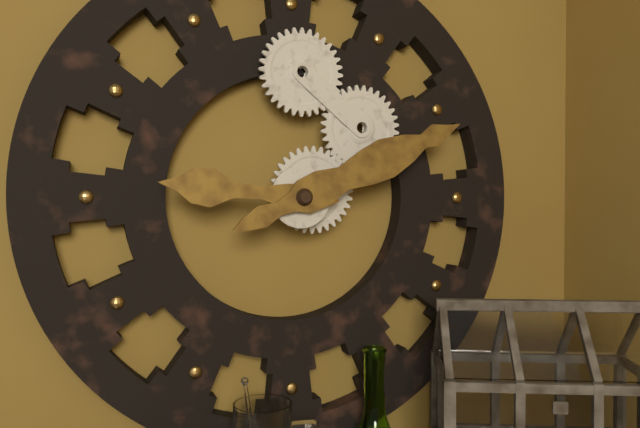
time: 9:11
